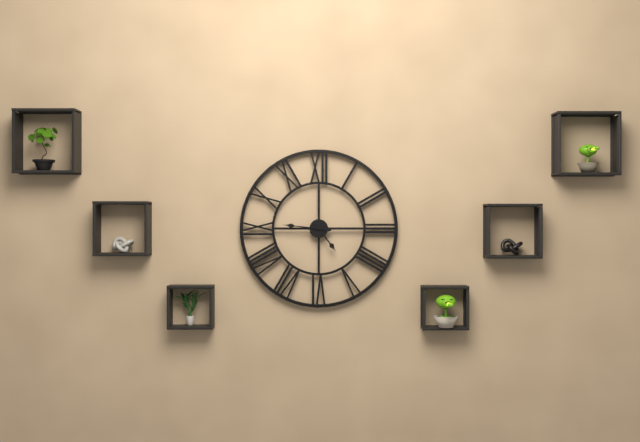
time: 4:46
